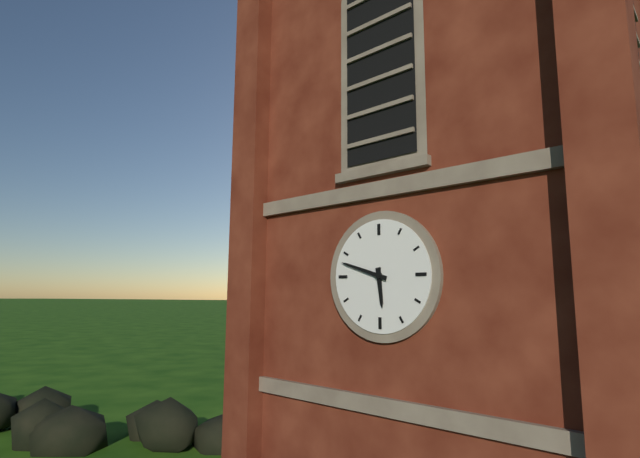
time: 5:48
